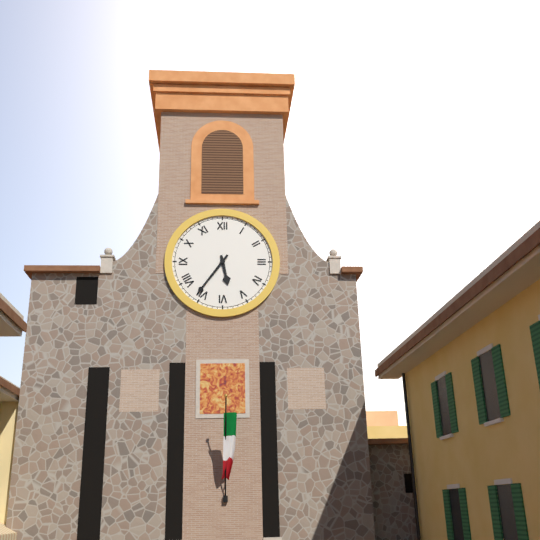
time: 5:36
